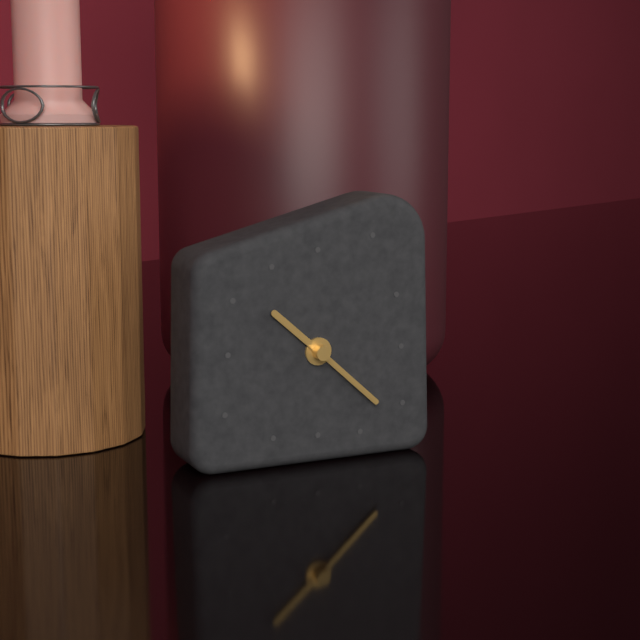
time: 10:22
